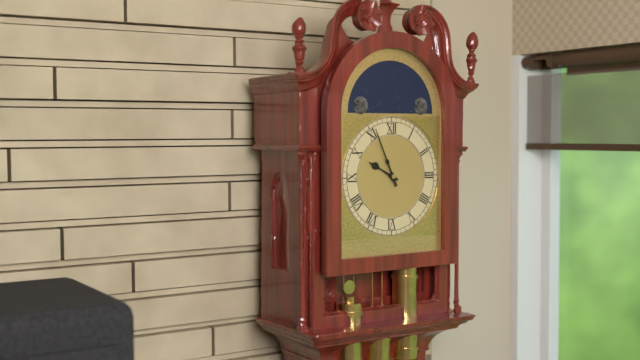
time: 9:56
